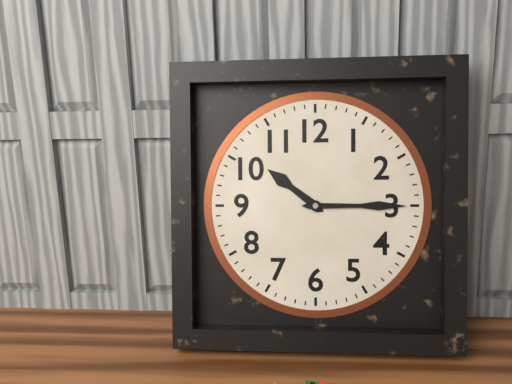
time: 10:15
